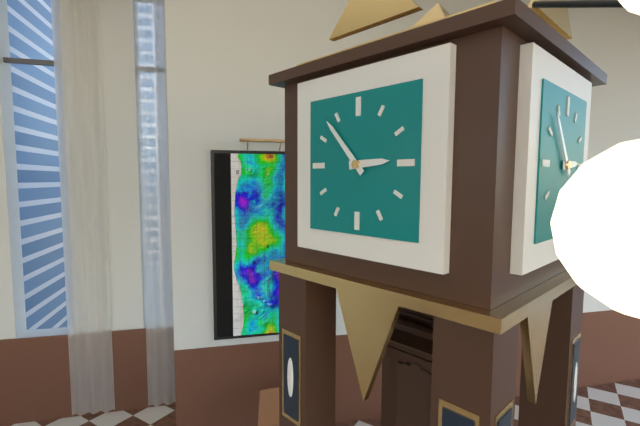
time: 2:53
